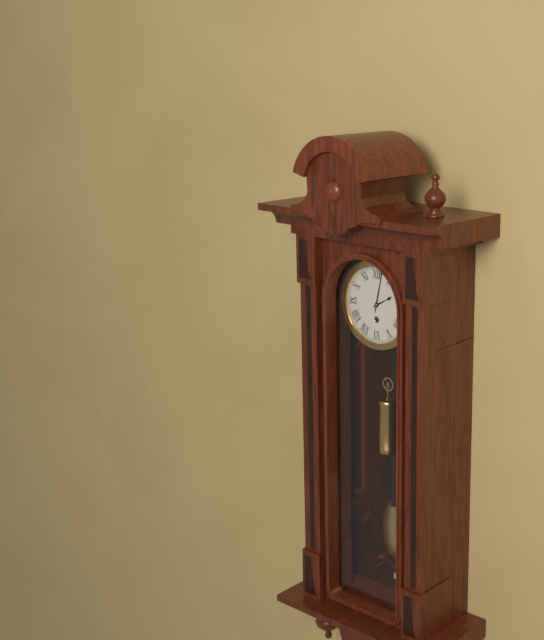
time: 2:02
